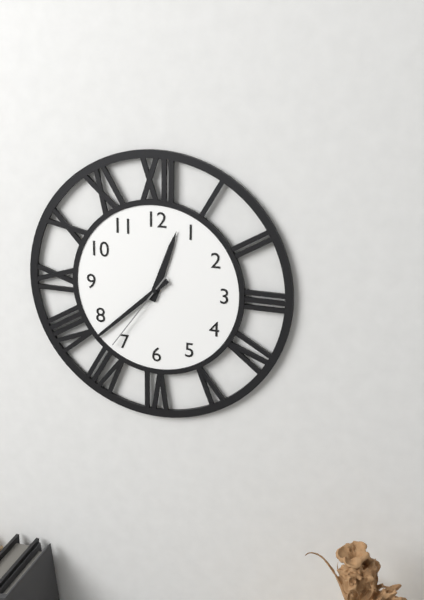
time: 12:38:36
